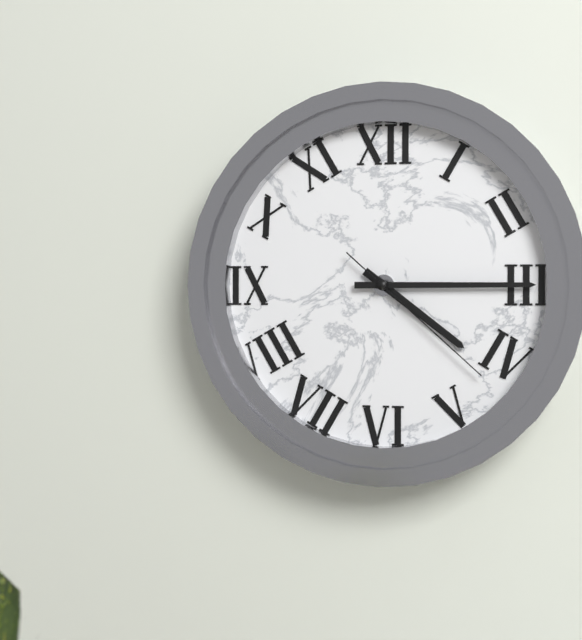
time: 4:15:22
